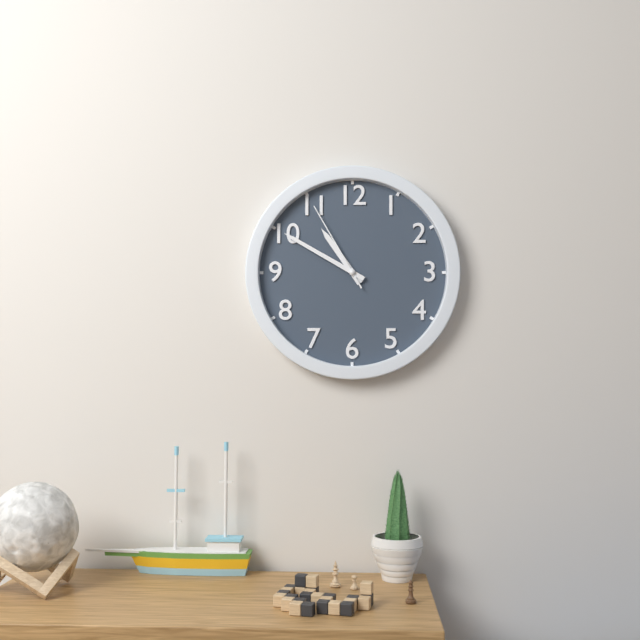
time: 10:50:55
